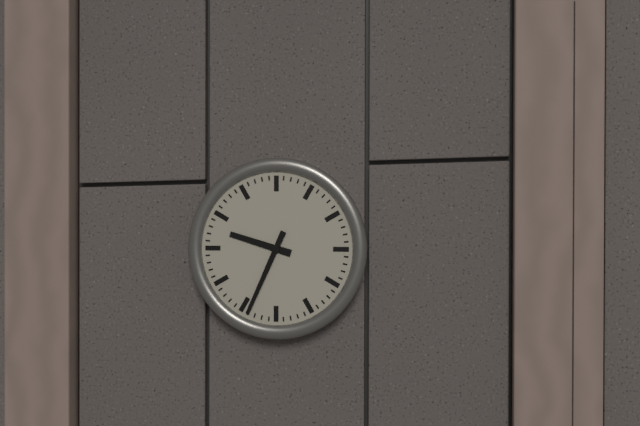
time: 9:34
